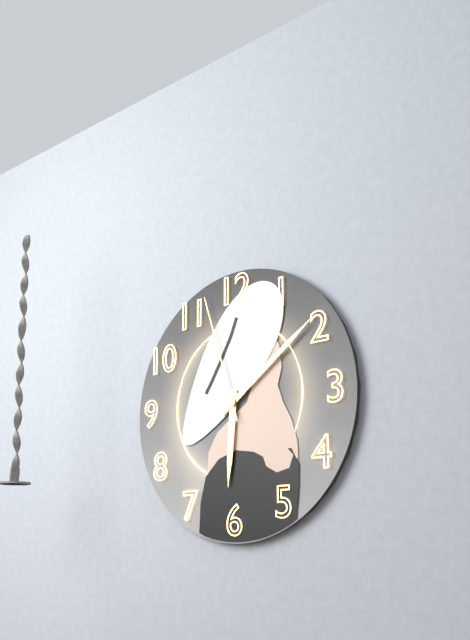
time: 6:09:57
